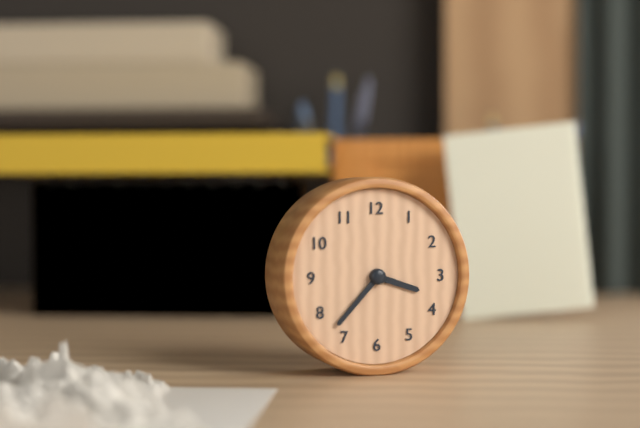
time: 3:37
